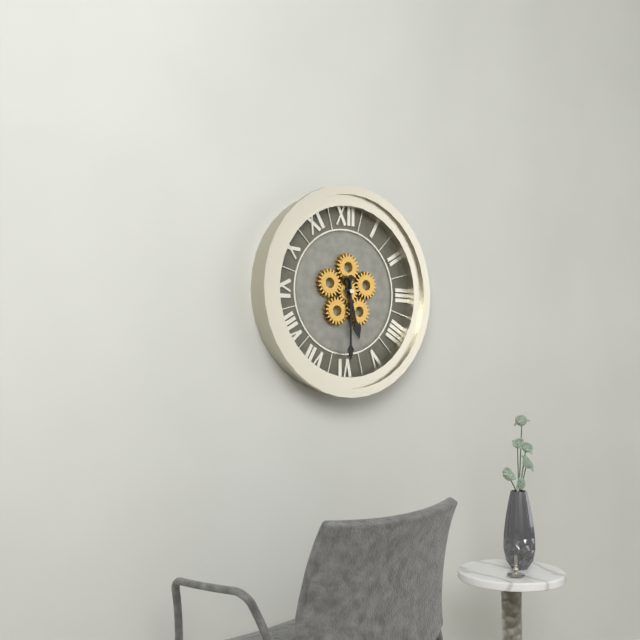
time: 5:30
